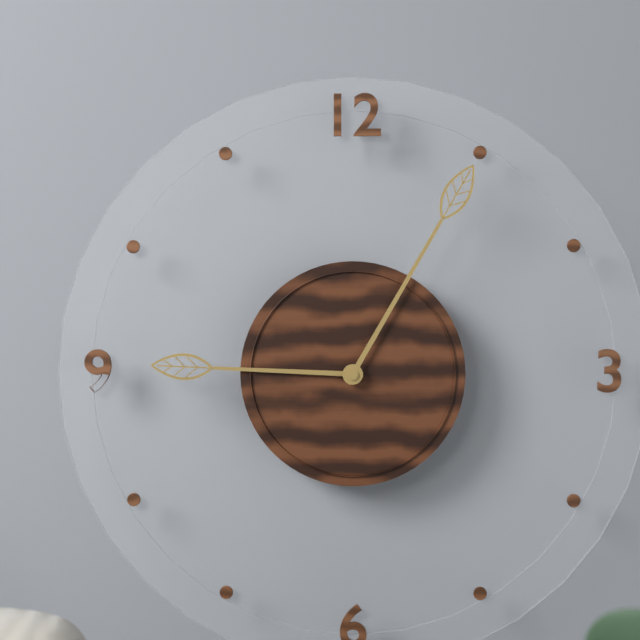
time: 9:05
